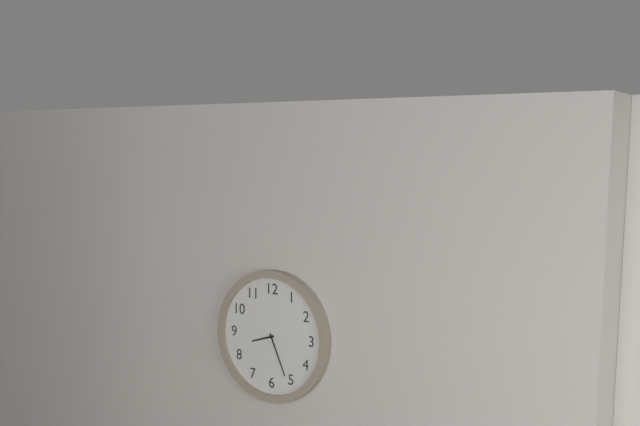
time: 8:26
